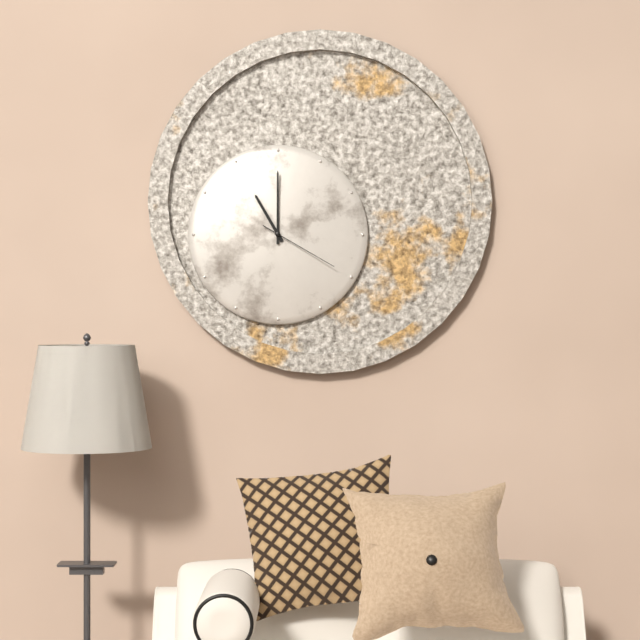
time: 11:00:20
